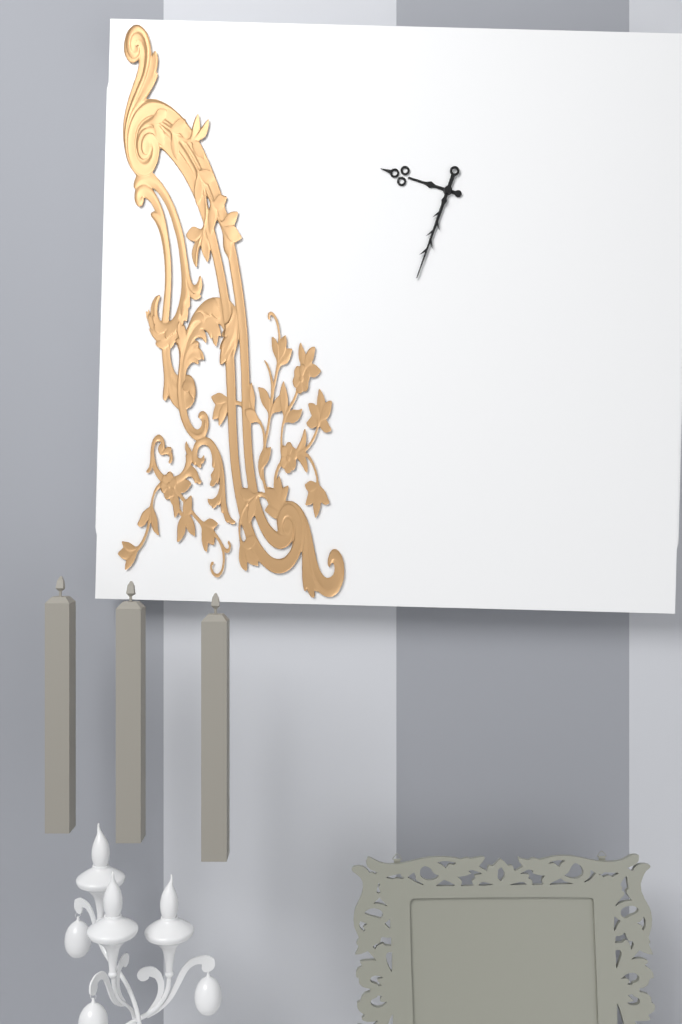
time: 9:33
